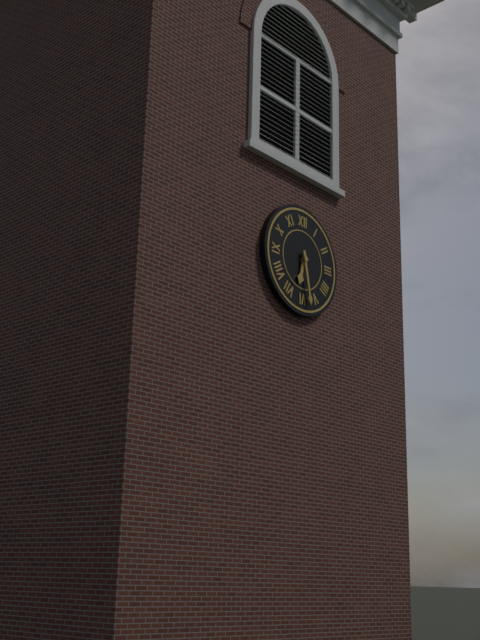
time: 6:28
